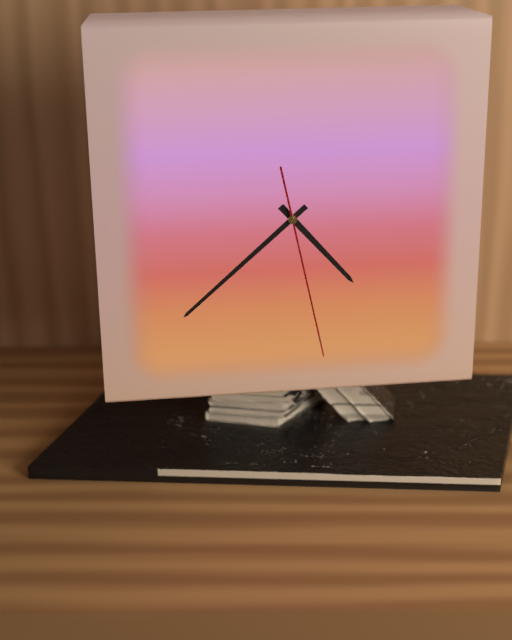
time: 4:38:28
